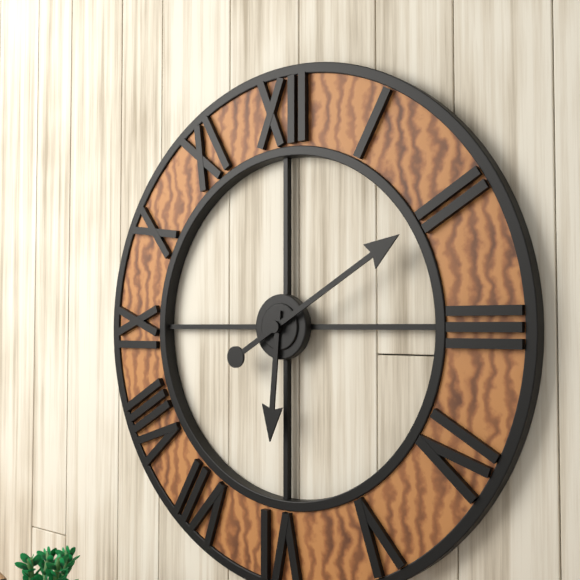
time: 6:10
